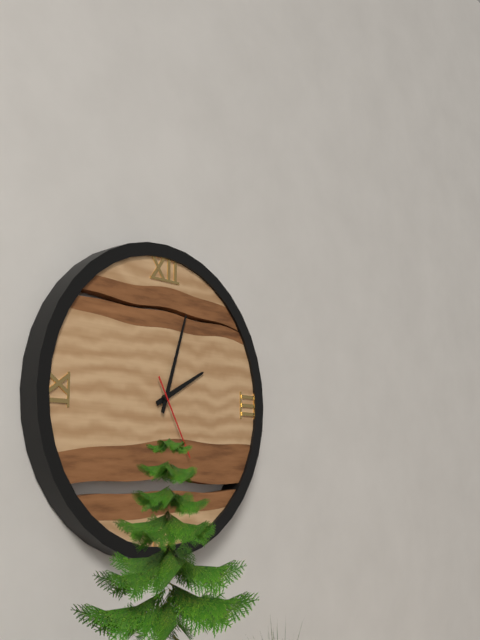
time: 2:03:25
